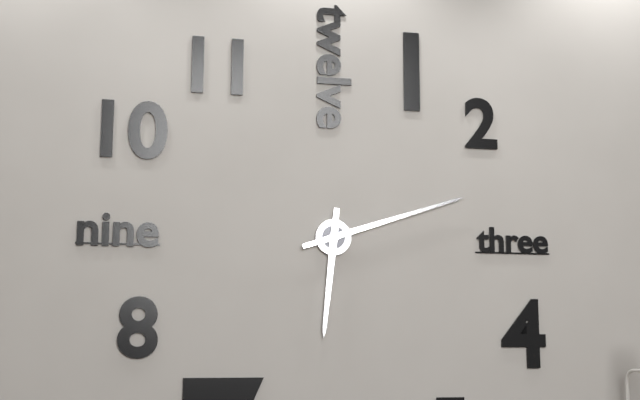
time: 6:12
